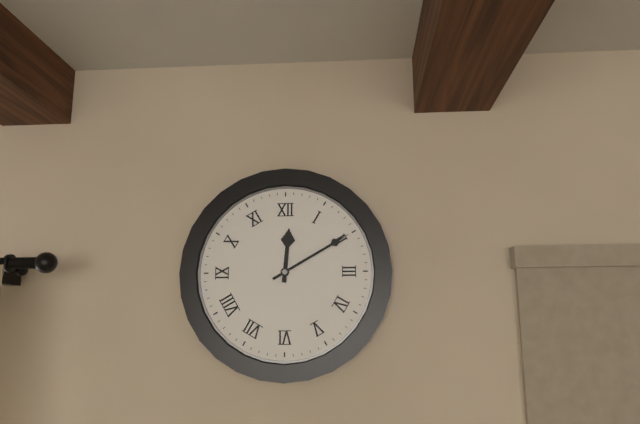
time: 12:10
